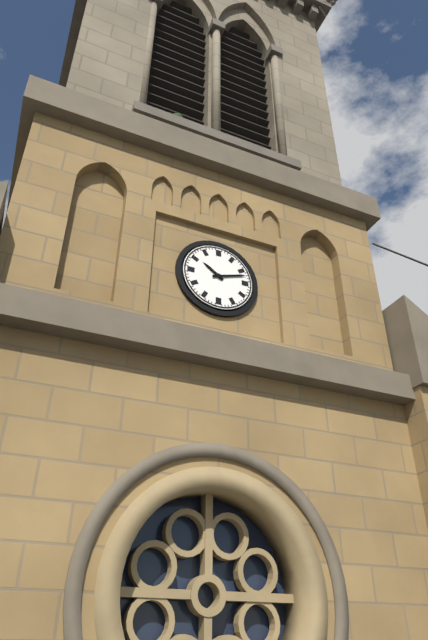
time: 10:12
